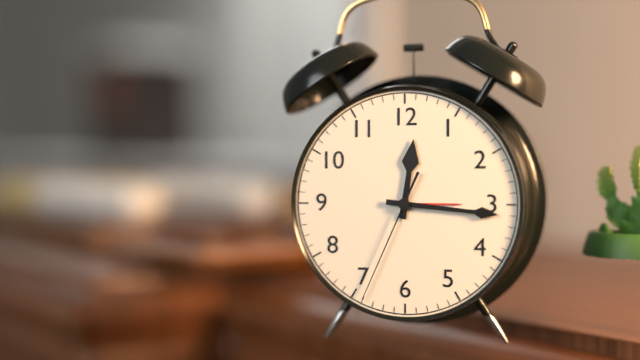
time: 12:16:34
